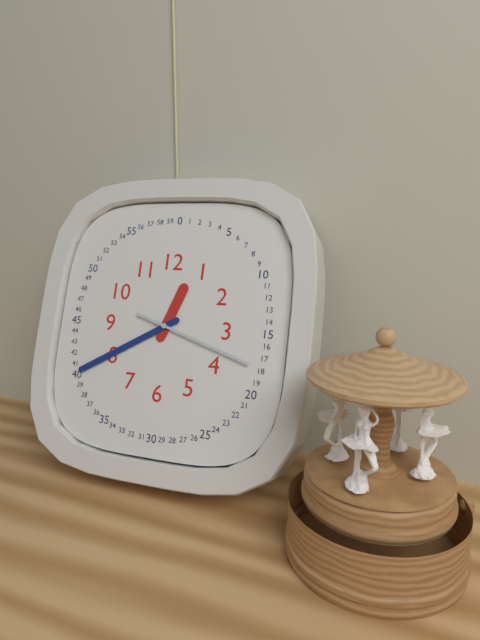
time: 12:40:18
